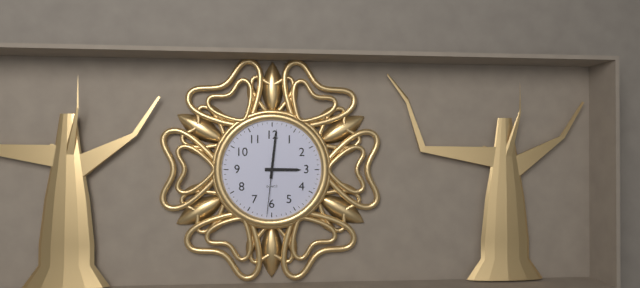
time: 3:01:31
